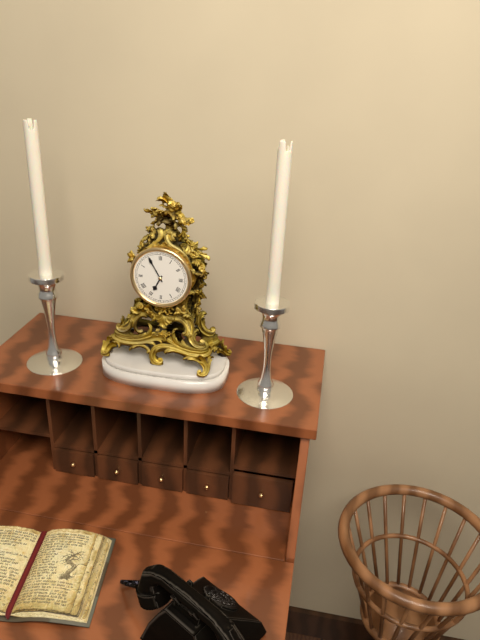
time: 6:55
